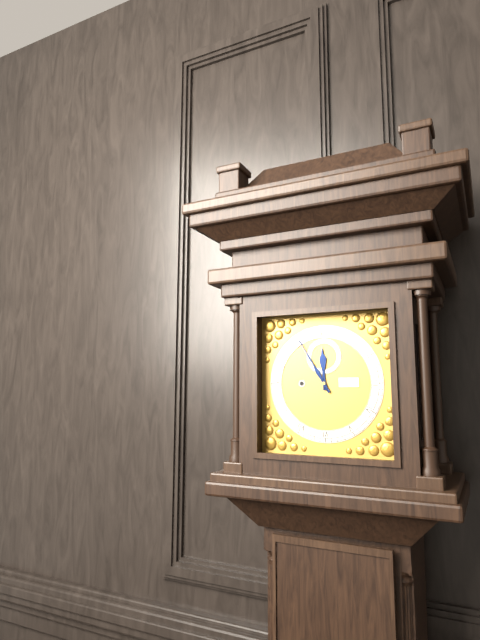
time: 11:55
